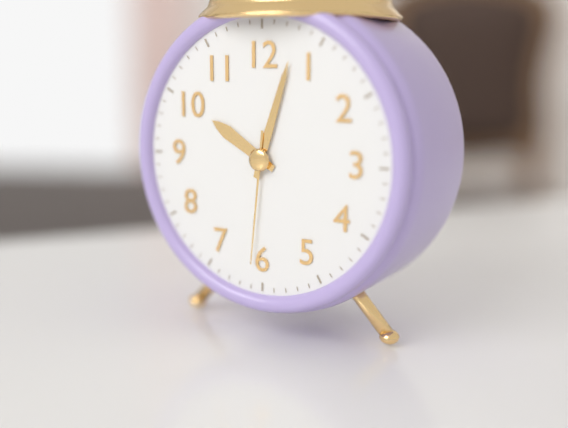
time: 10:03:31
